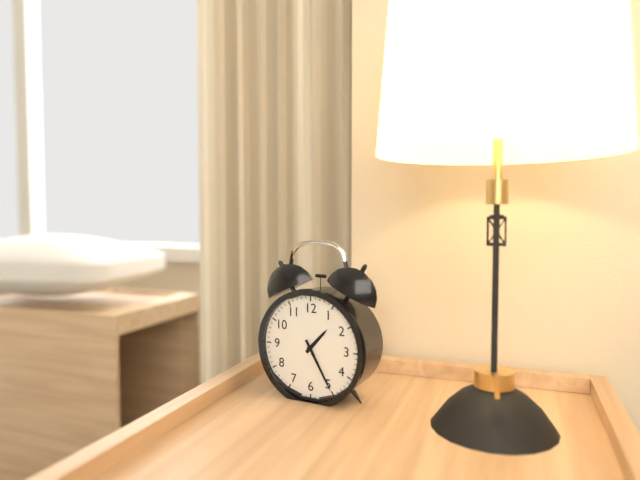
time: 1:25
